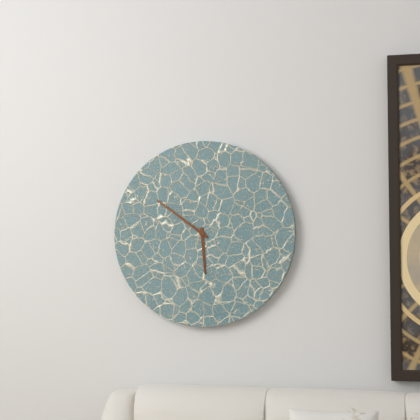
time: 5:51
